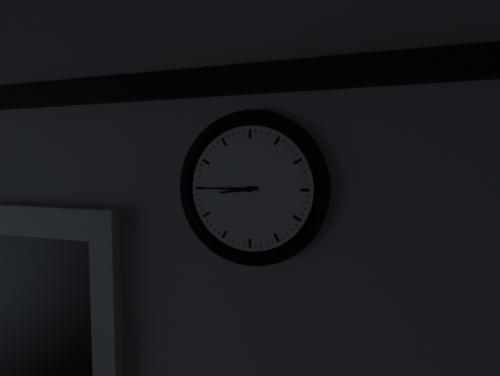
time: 8:45
